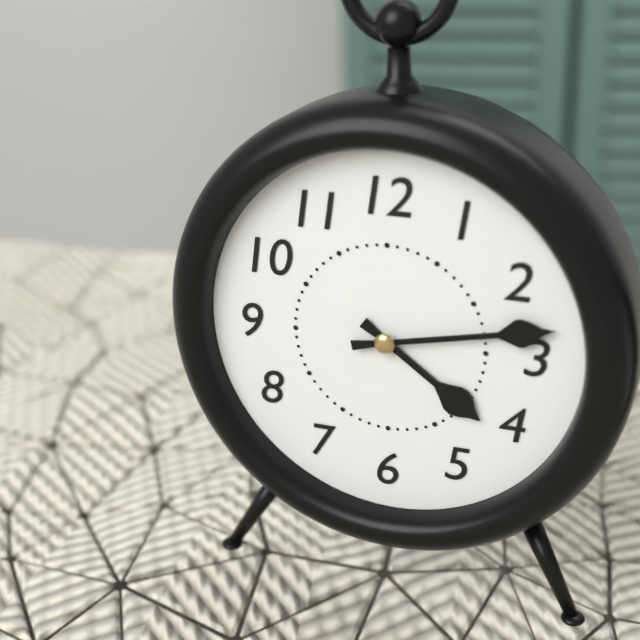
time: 4:13
